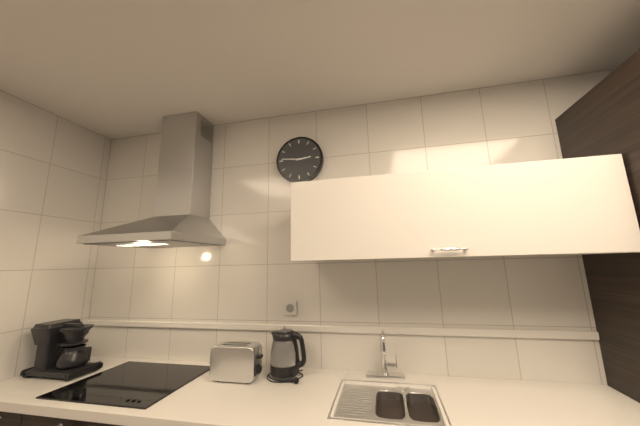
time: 2:46
